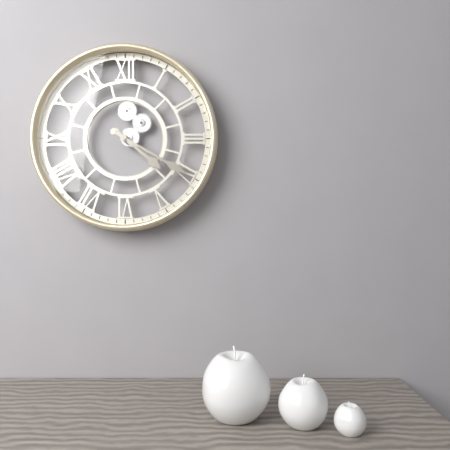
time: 4:20
